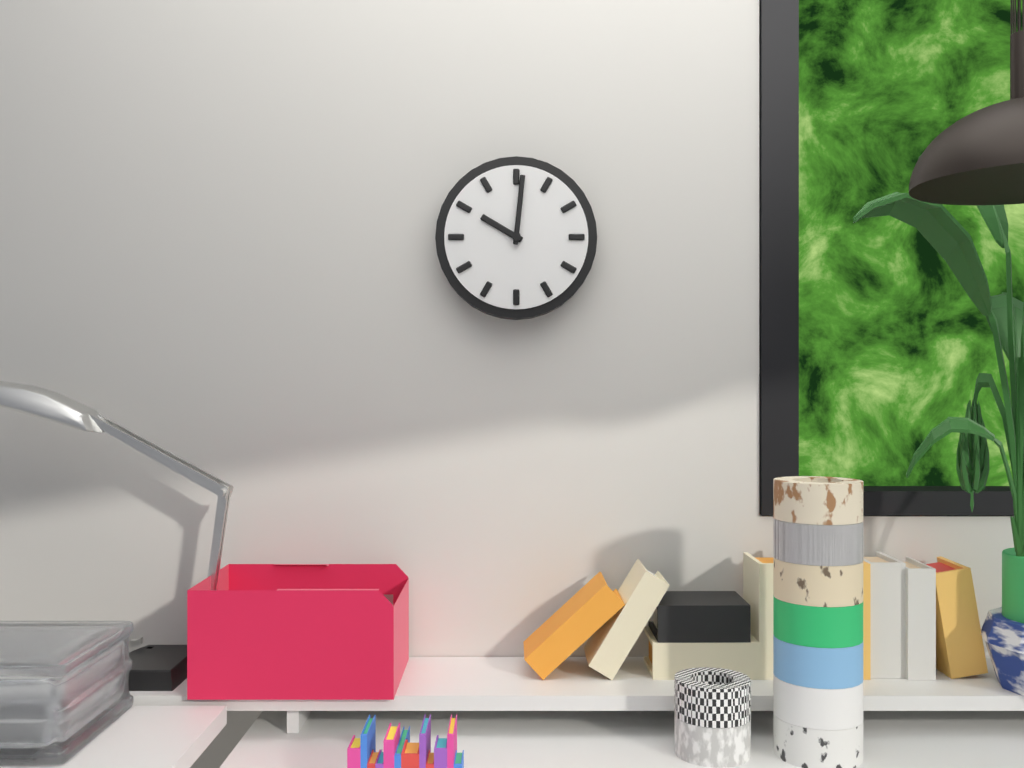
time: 10:01
